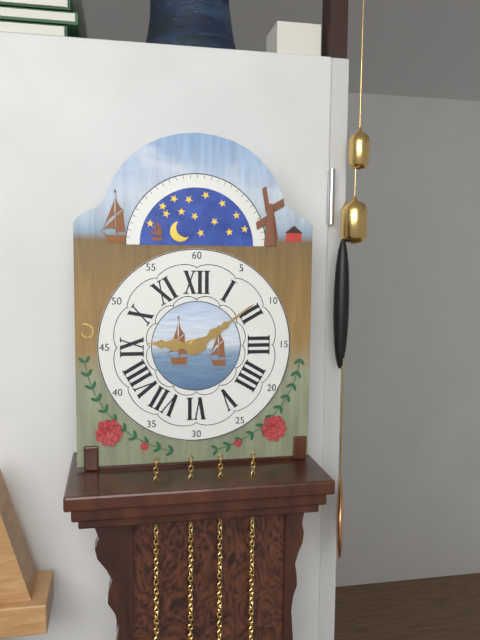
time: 9:09
